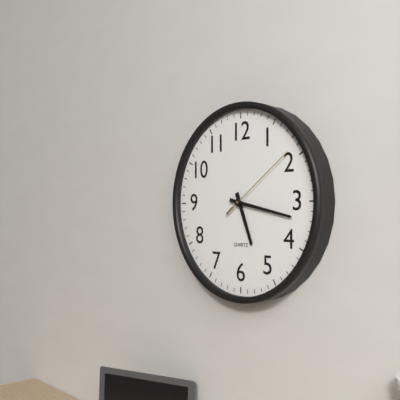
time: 5:17:09
